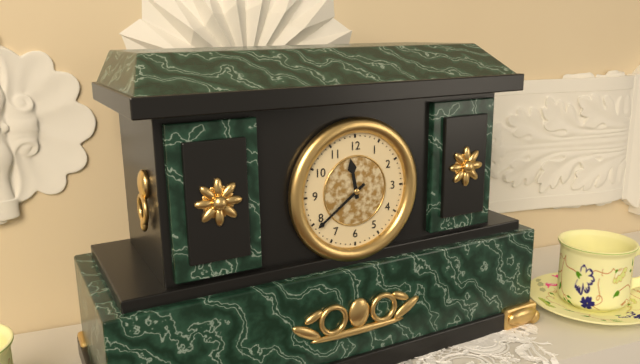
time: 11:39
